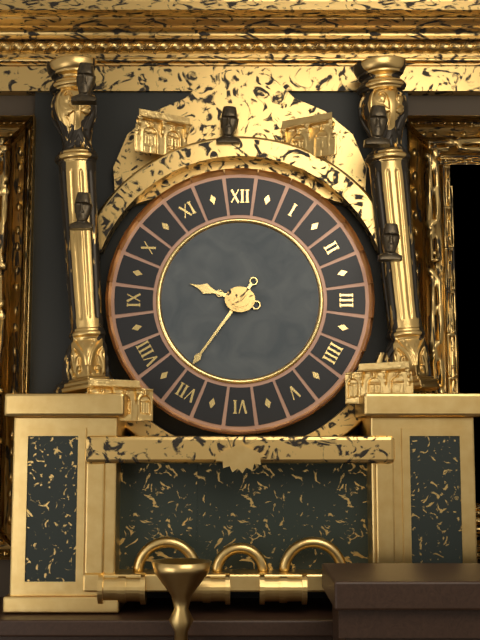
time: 9:36
